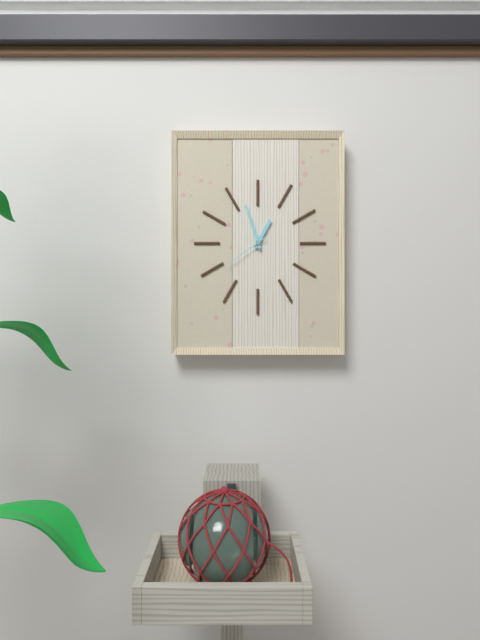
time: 12:57
